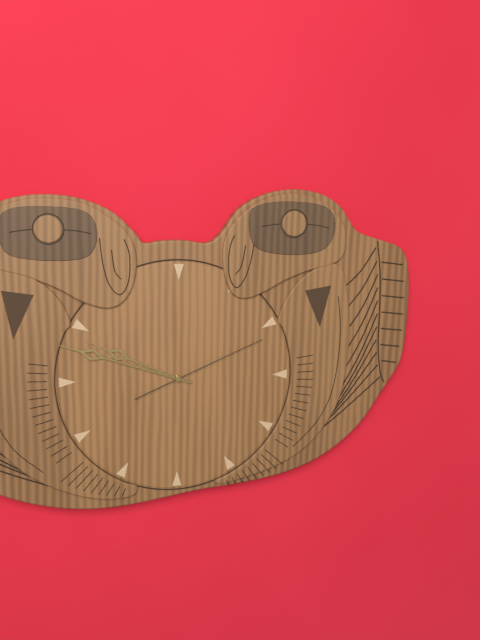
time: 9:48:11
